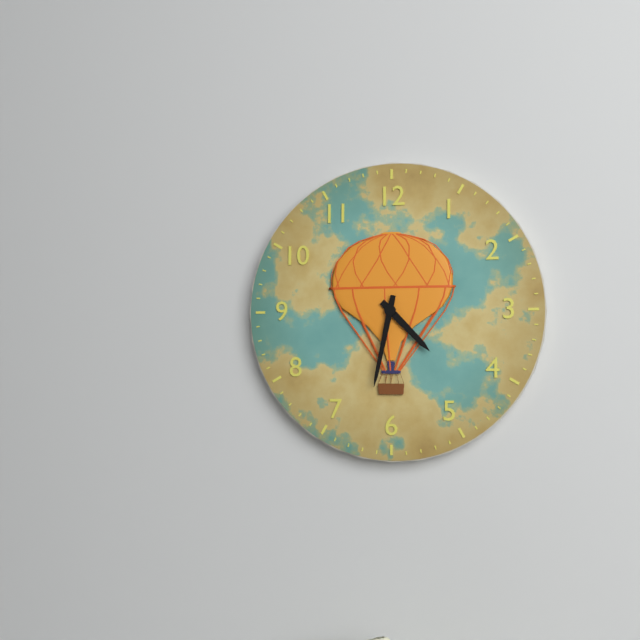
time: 4:32
